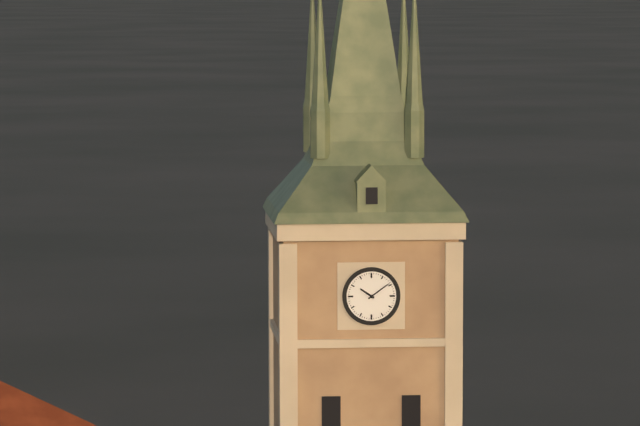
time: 10:09
